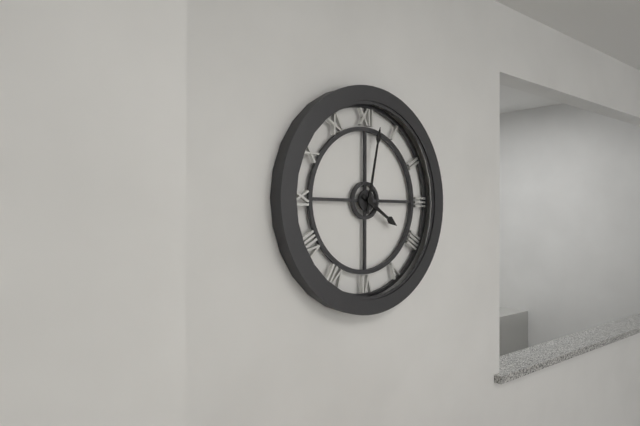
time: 4:02
